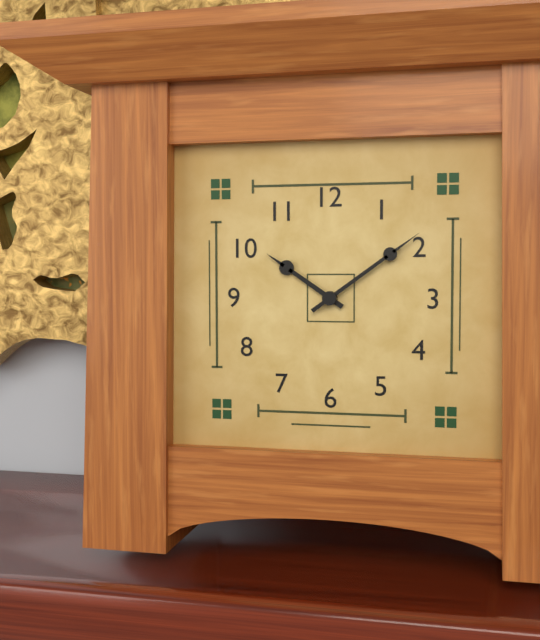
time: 10:09
